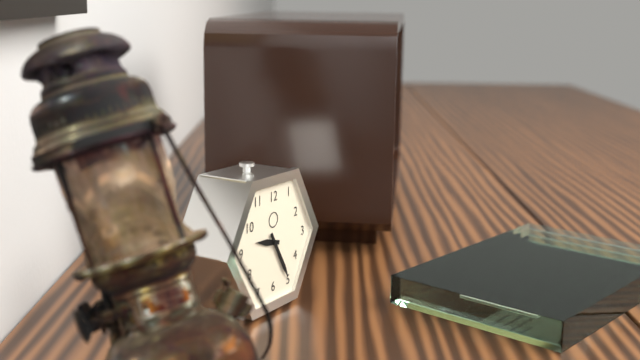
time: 9:25
